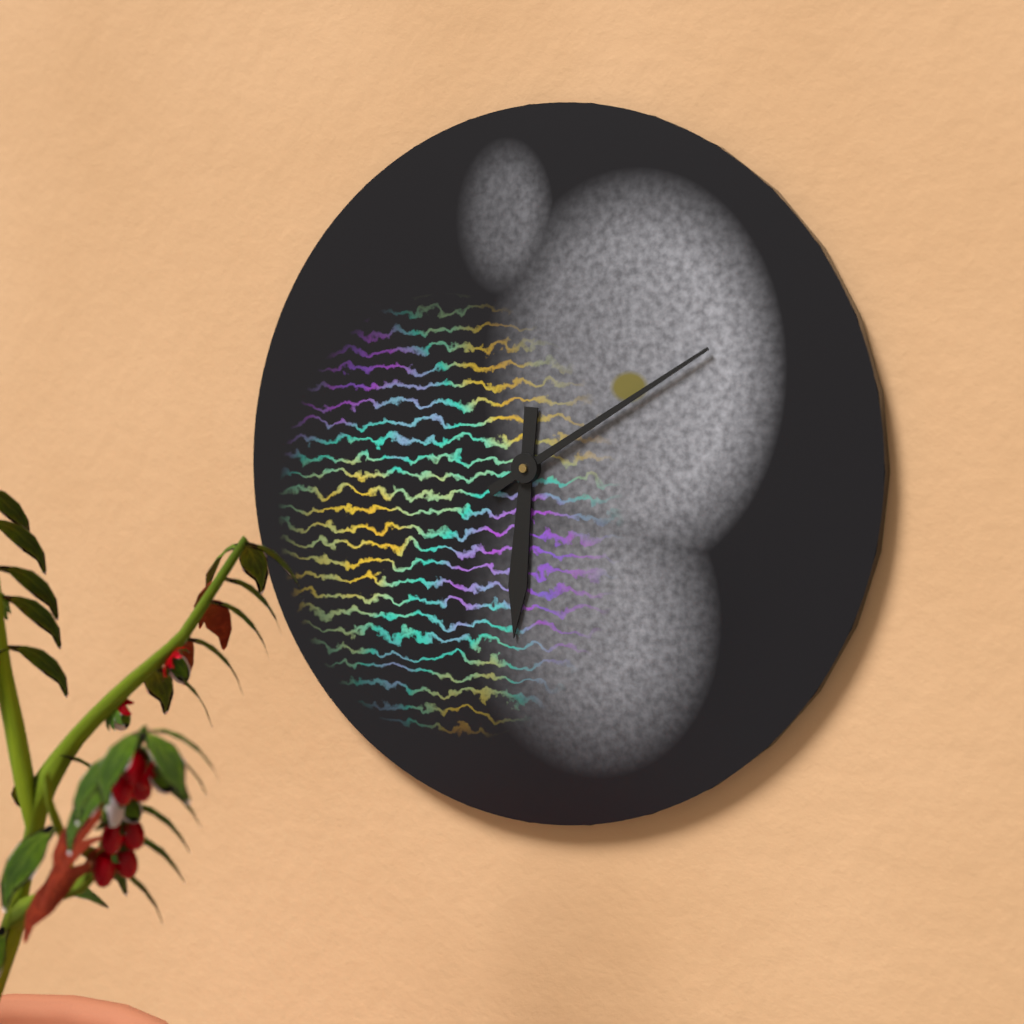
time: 6:10
